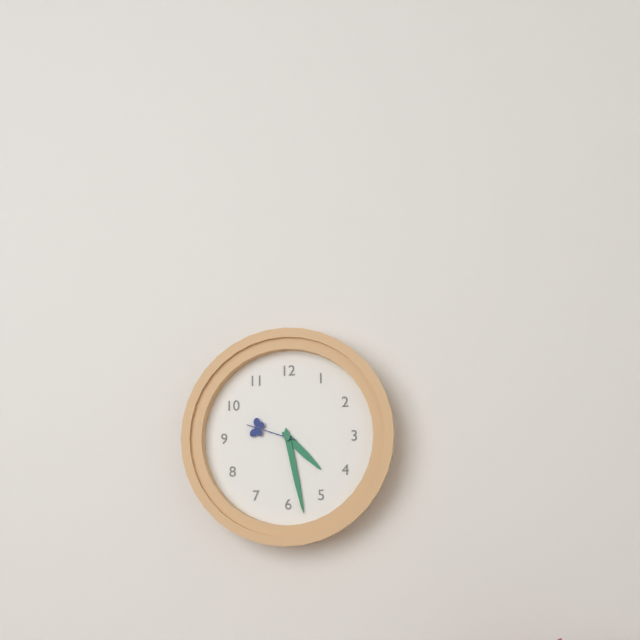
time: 4:28:48
